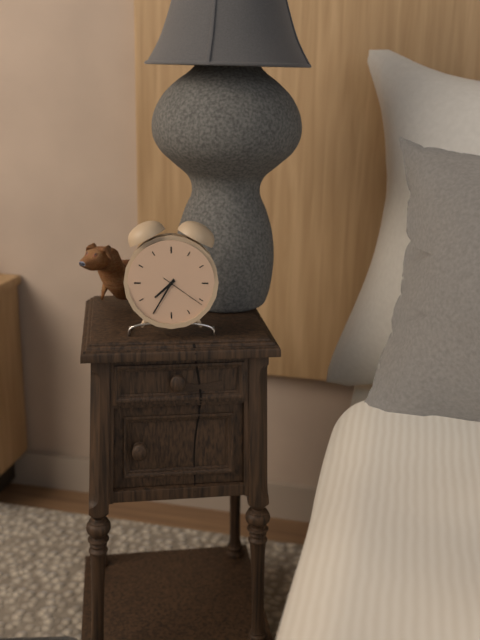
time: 7:35
